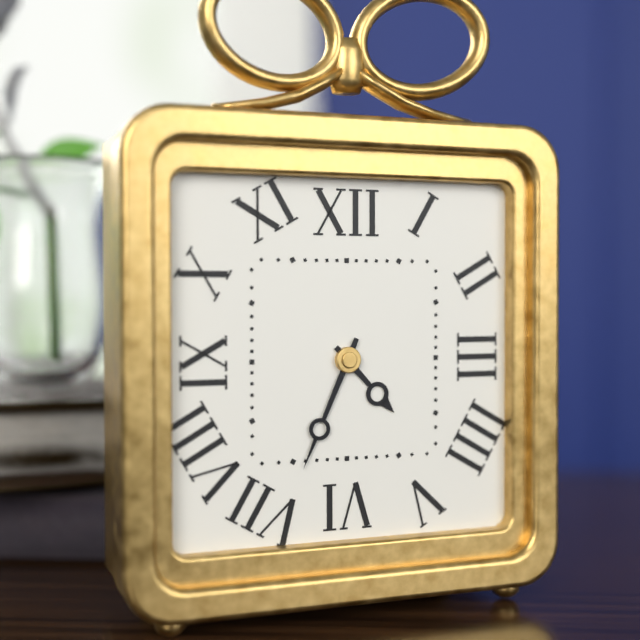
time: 4:34
